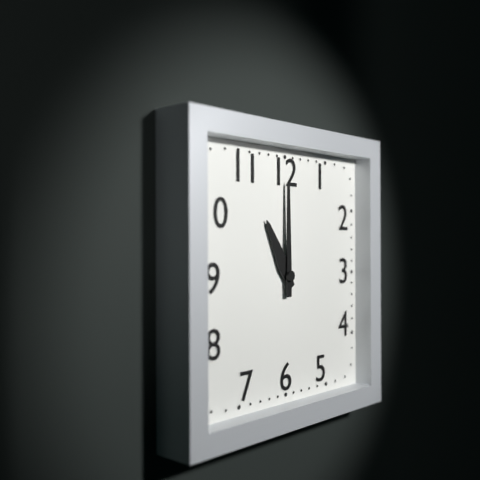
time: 11:00
